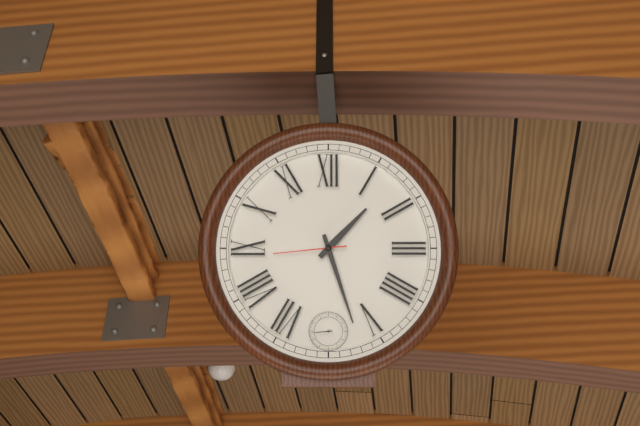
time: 1:27:44
